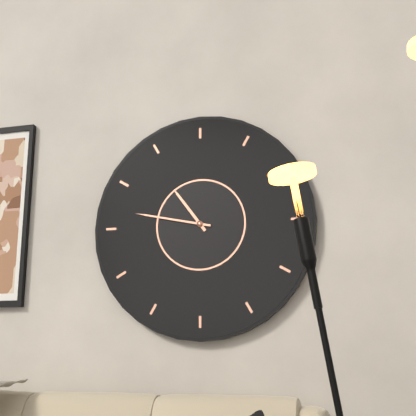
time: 10:47
